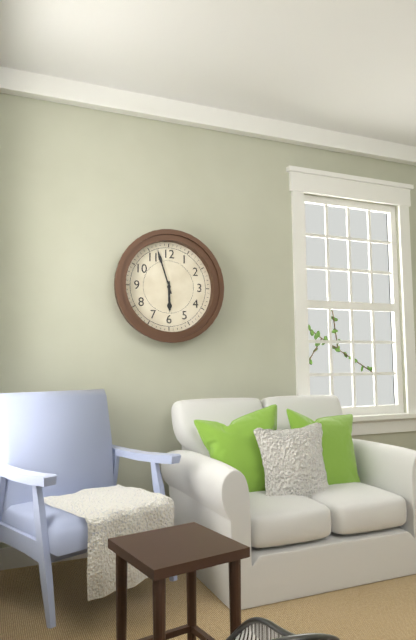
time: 5:57
